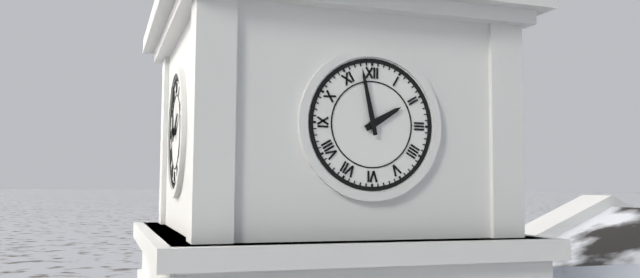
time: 1:58
